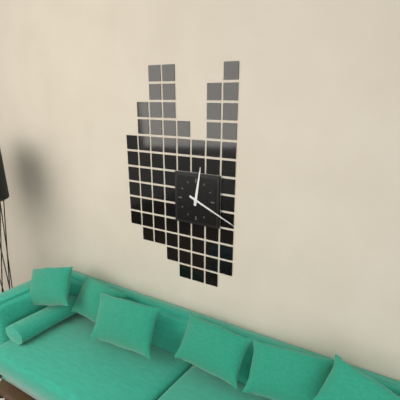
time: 12:19
